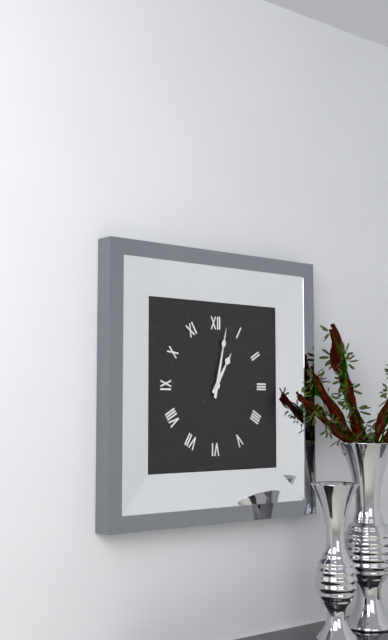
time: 1:02
